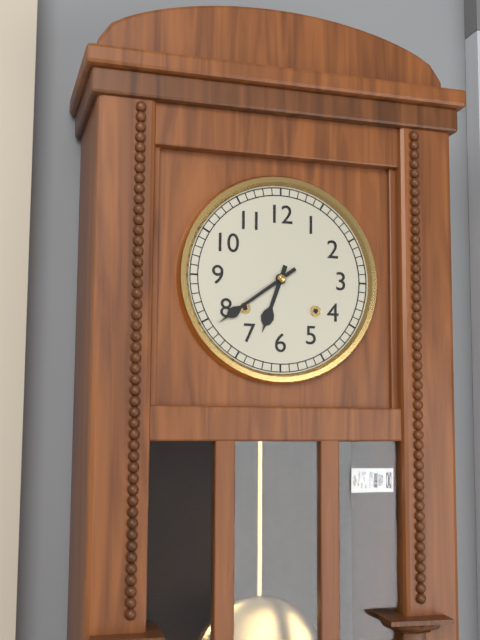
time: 6:39
